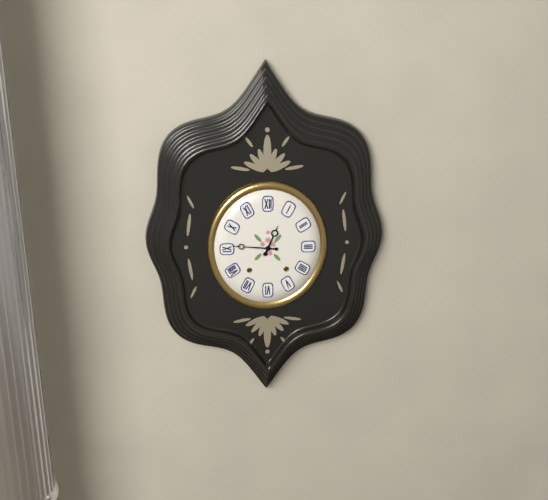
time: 12:46
